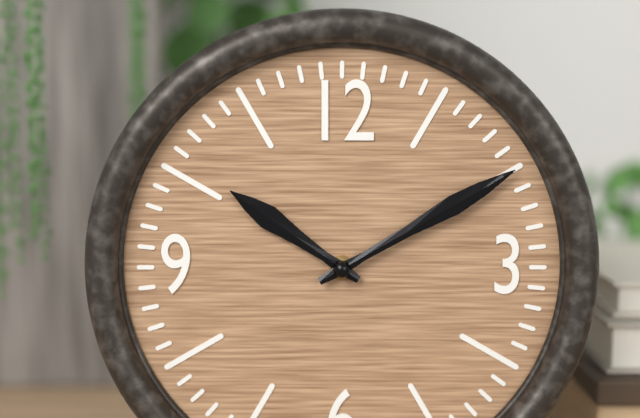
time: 10:10
